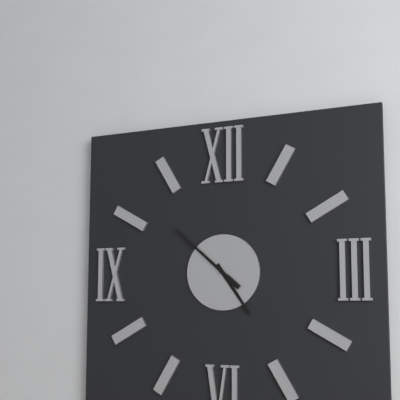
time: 4:52
